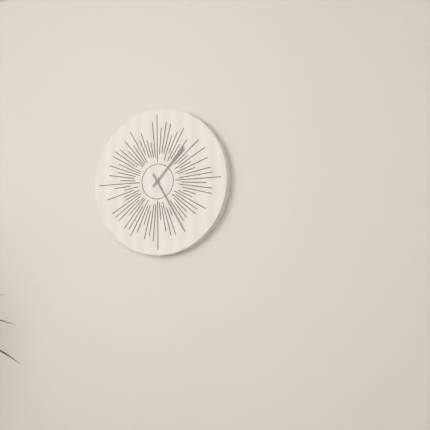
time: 1:25
